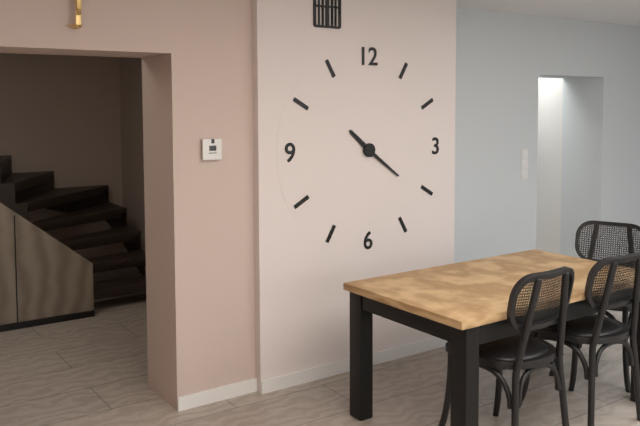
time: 10:21
